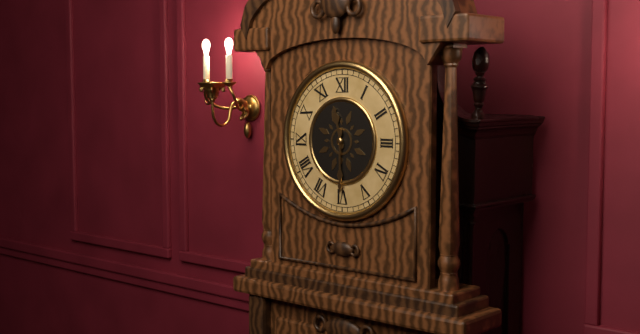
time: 11:30
